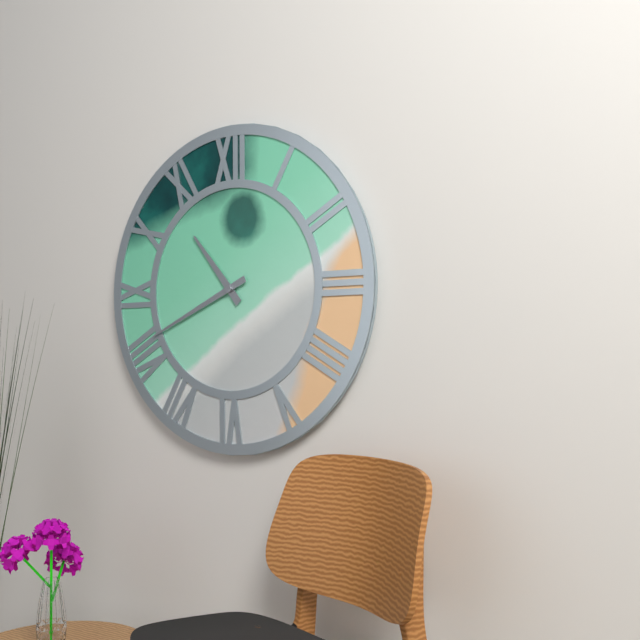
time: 10:41
